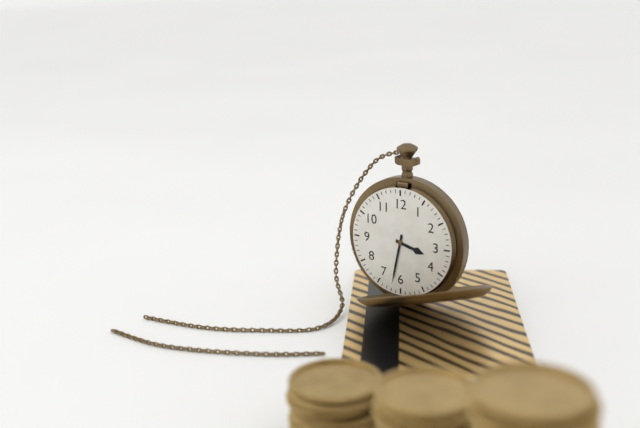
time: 3:32
